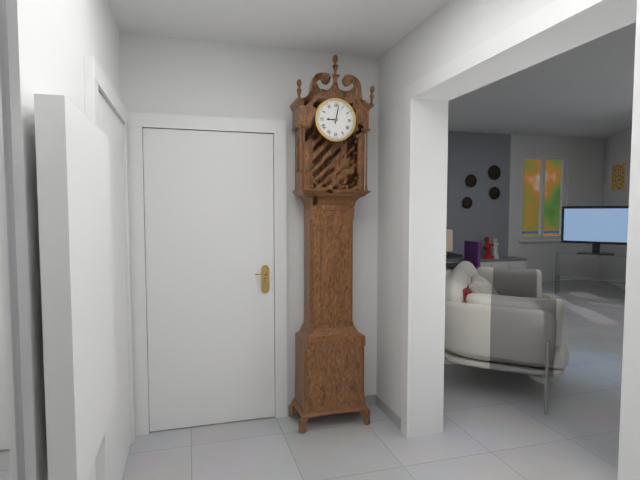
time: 9:02
